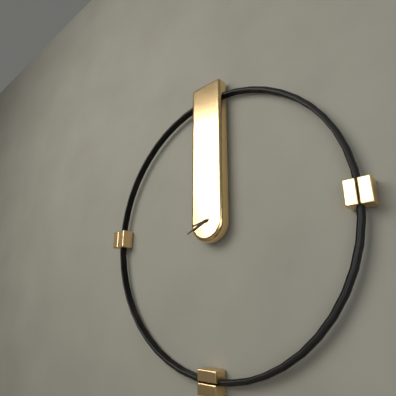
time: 8:41
